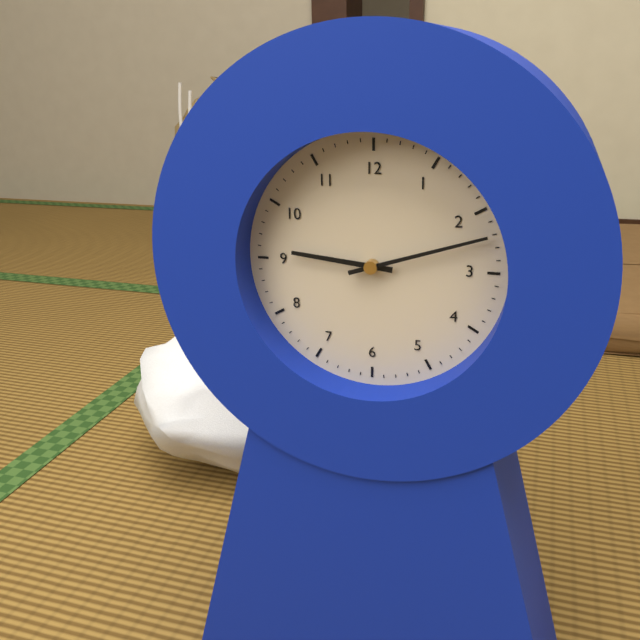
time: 9:12
